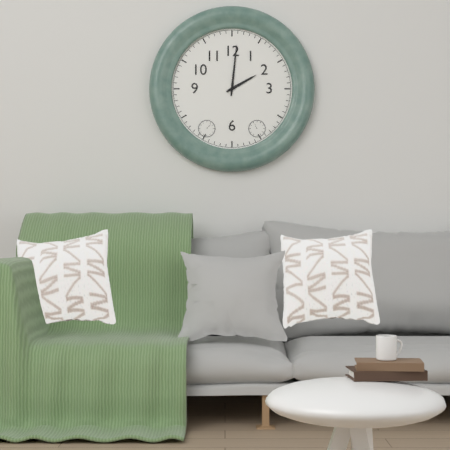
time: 2:01
